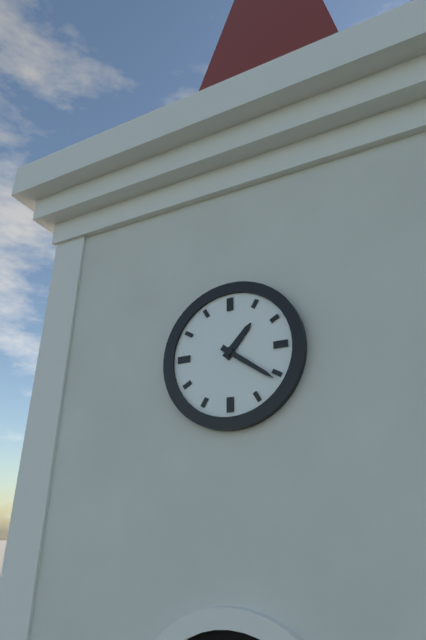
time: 1:21
